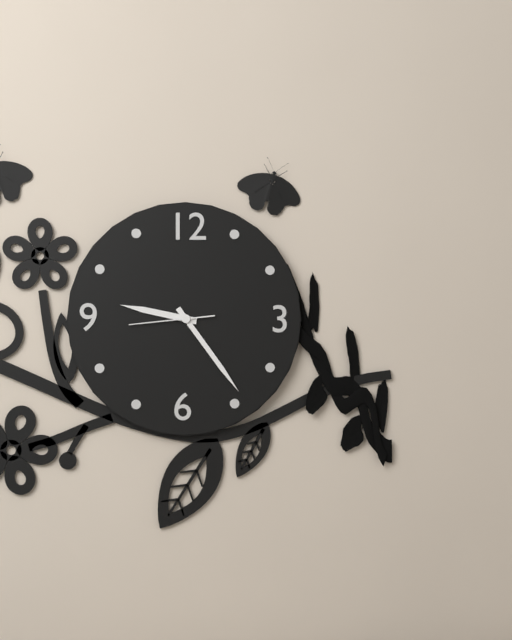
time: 9:24:44
